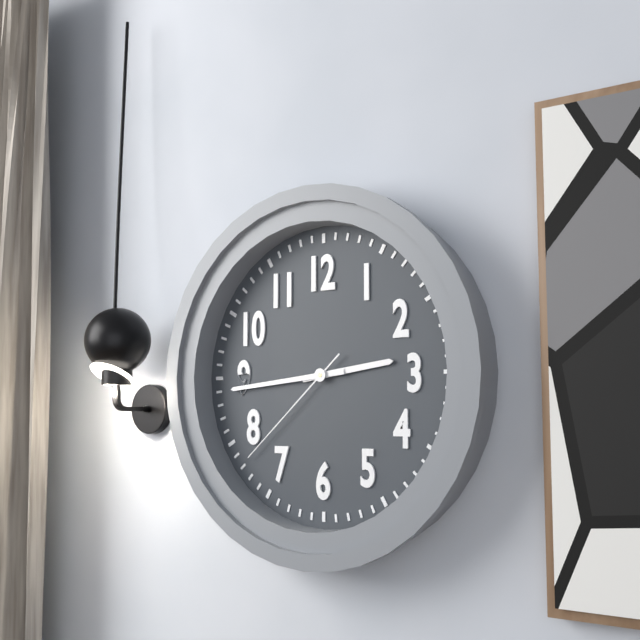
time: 2:44:38
